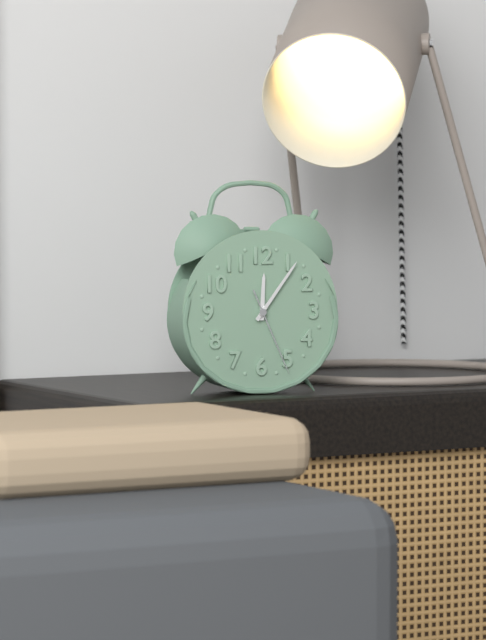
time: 12:06:26
